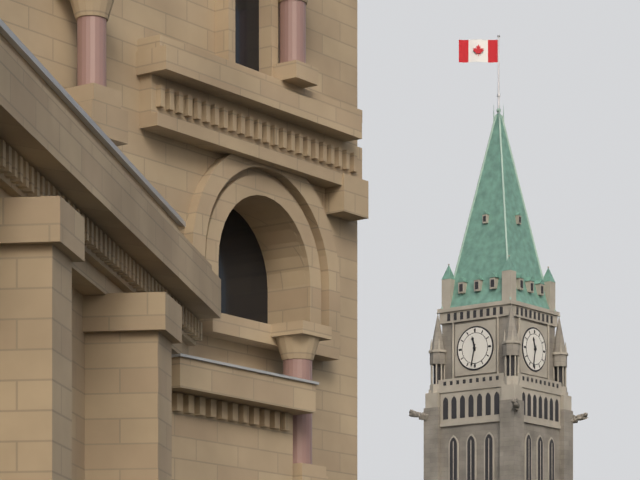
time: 11:32
